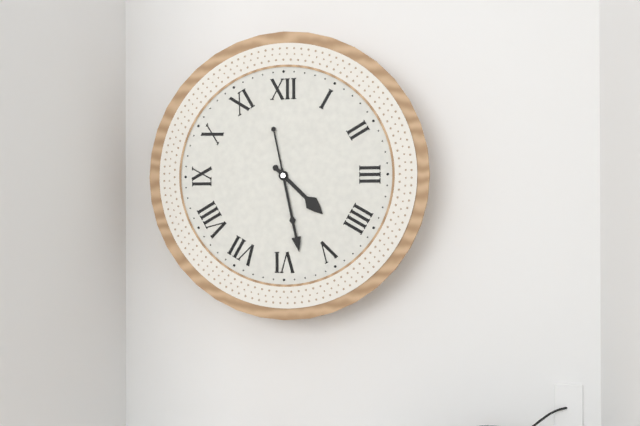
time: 4:28
